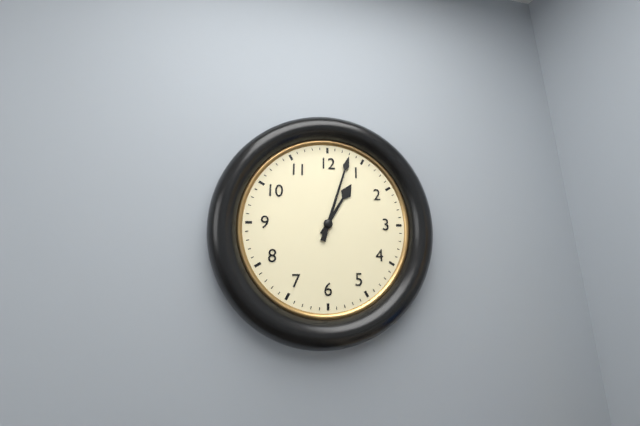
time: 1:03
